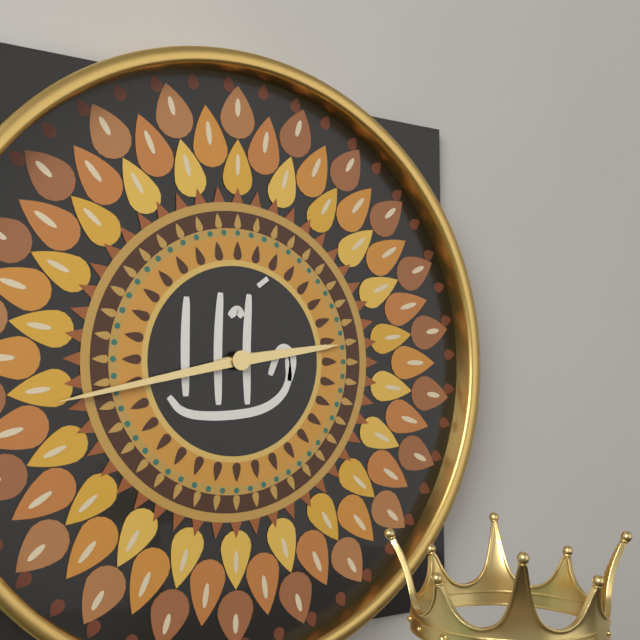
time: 2:43
